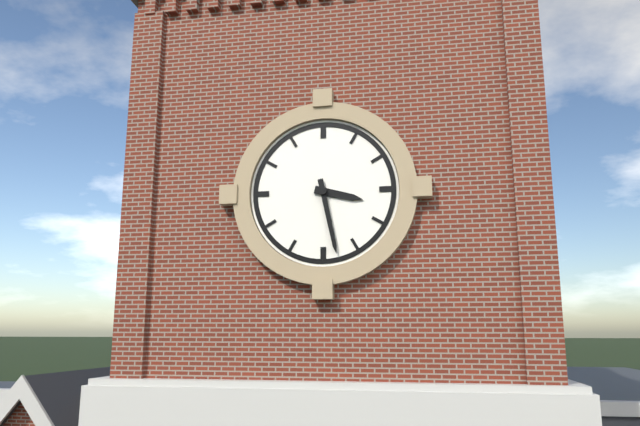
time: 3:28
